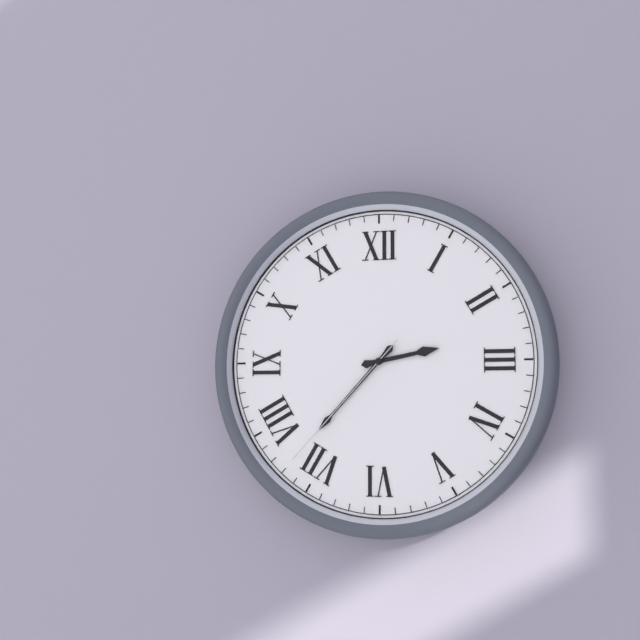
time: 2:37:37
